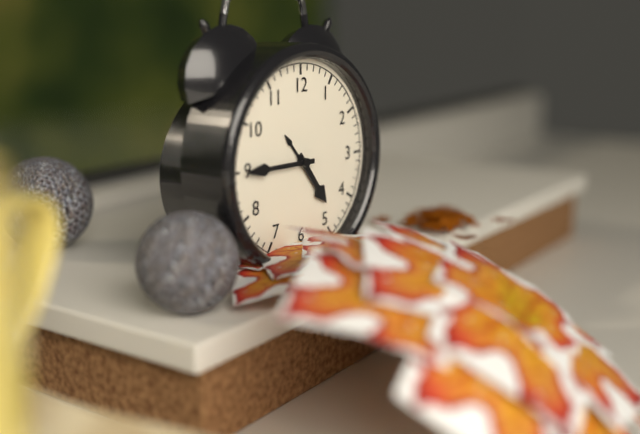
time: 4:45
